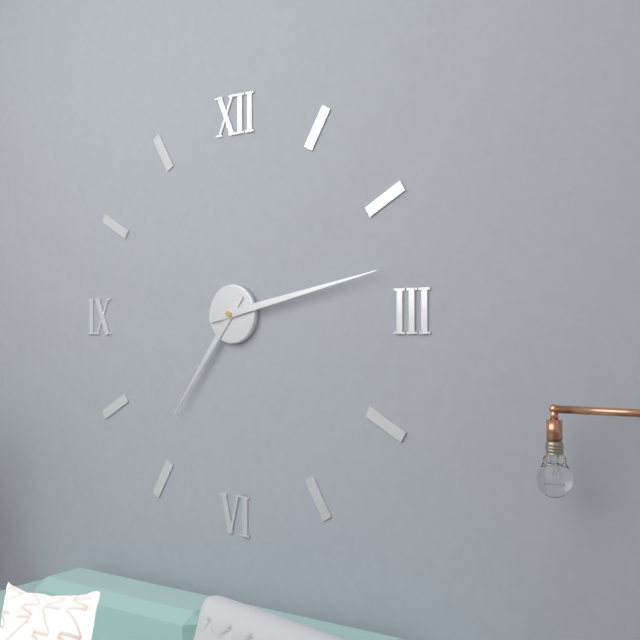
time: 7:13
